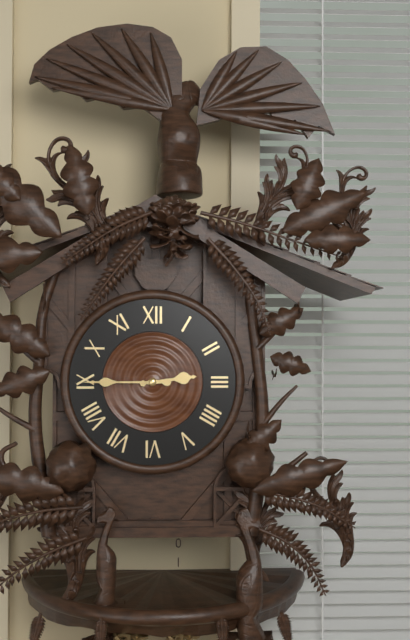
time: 2:45
